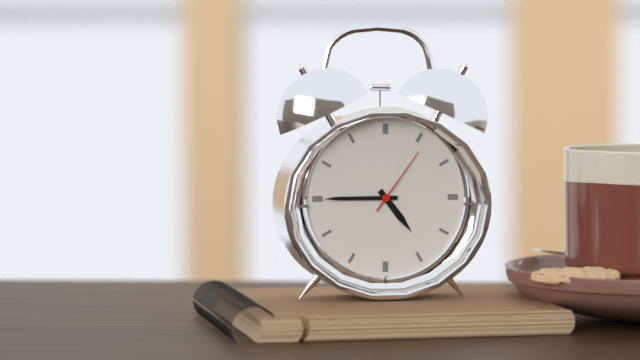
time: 4:45:06
